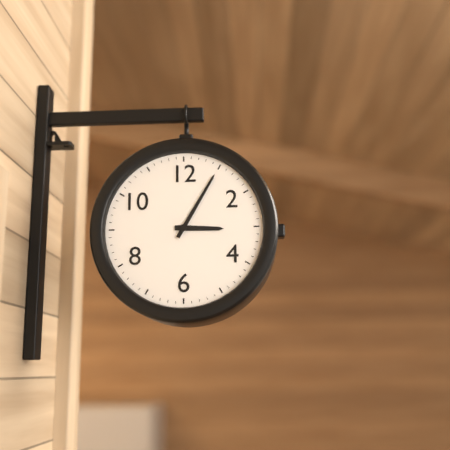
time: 3:05
